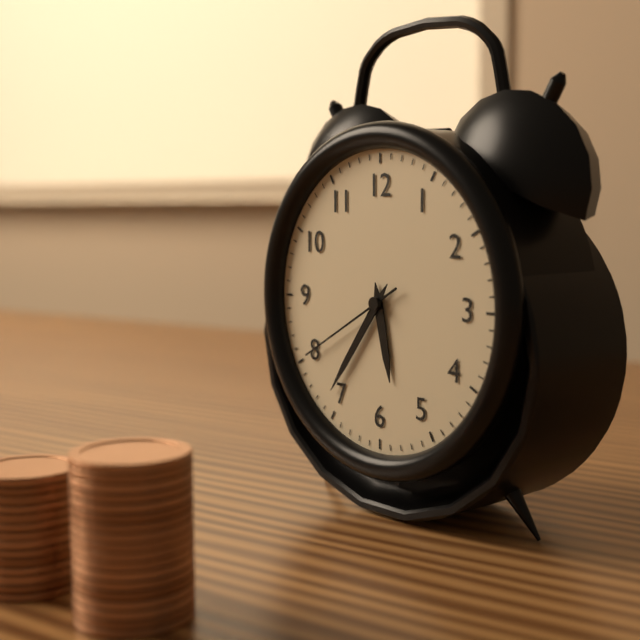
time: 5:36:40
